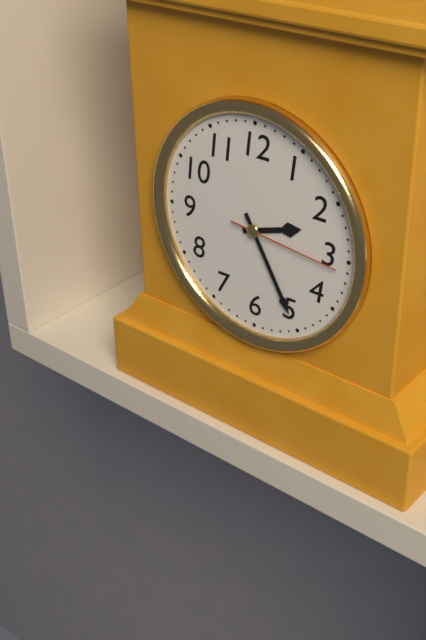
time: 2:25:16
